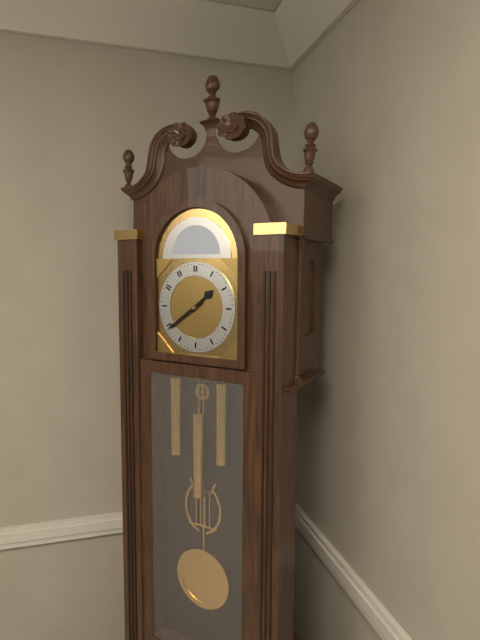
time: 1:39
